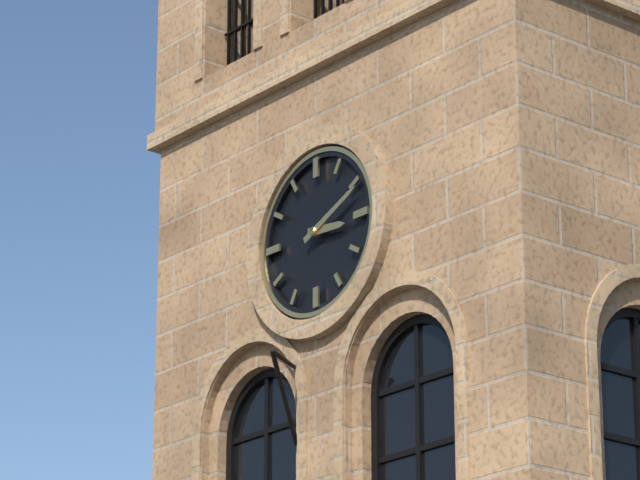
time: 3:11
